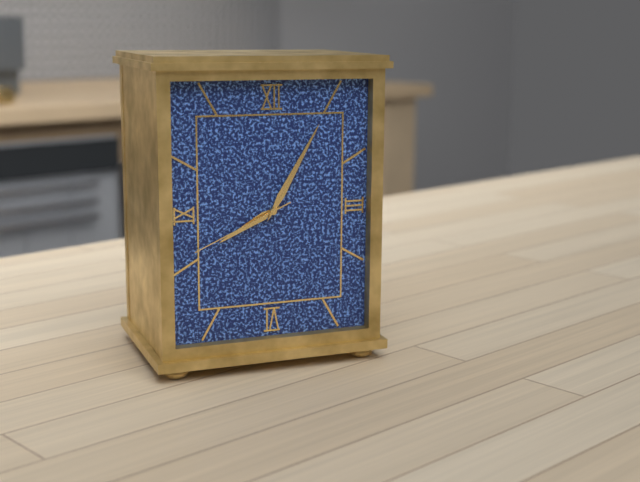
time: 8:05:41
